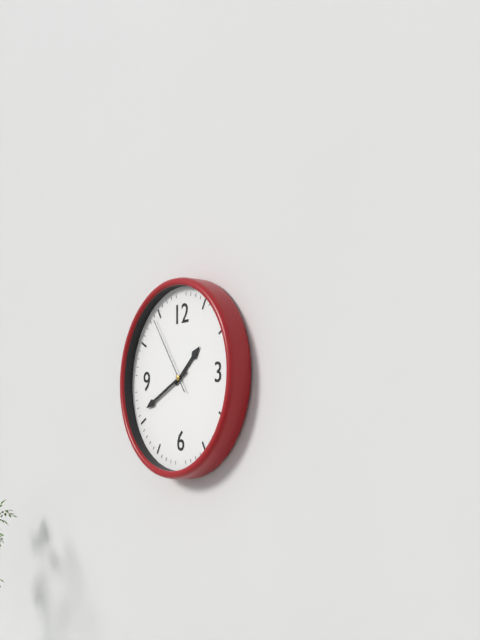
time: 1:41:54
